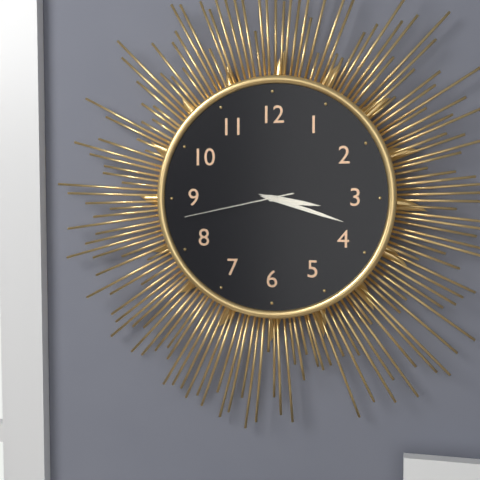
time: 3:18:43
